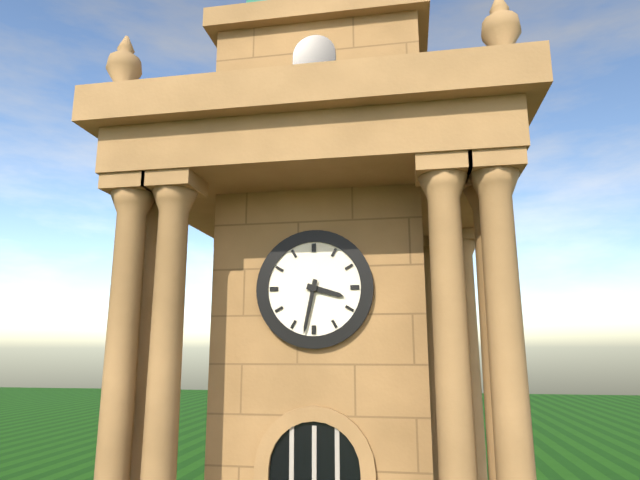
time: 3:32
